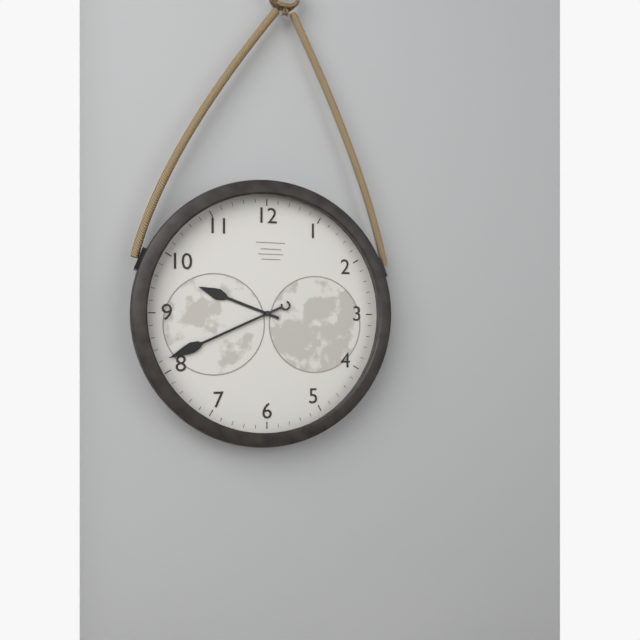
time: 9:41
